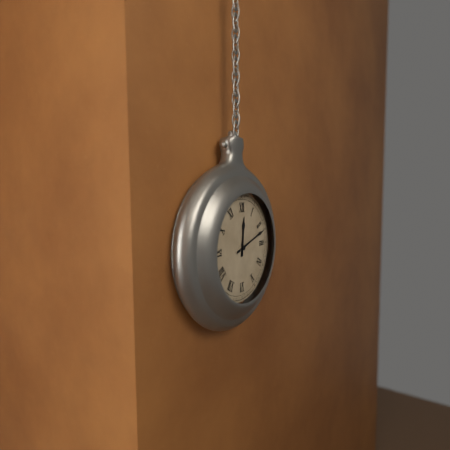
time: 12:12
